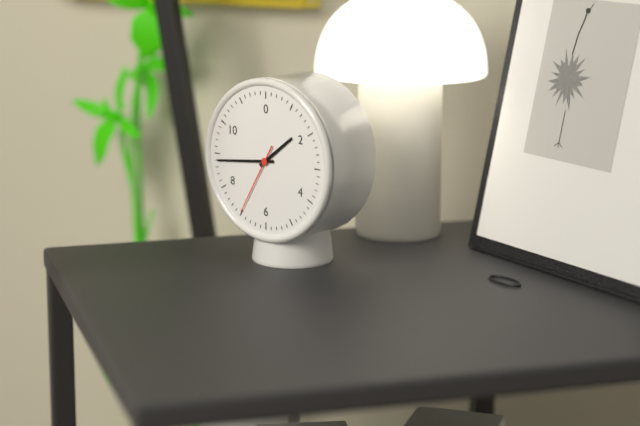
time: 1:44:35
